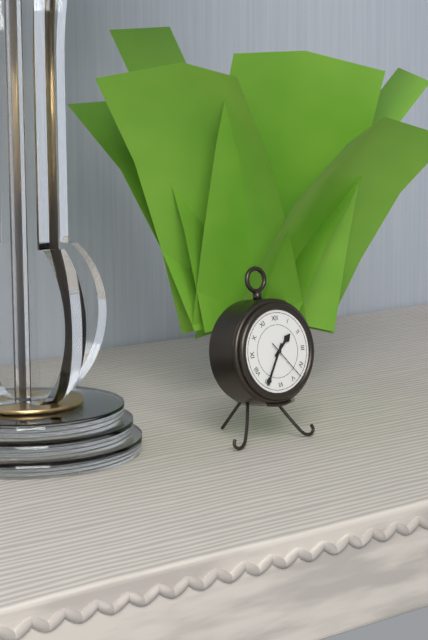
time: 1:35
